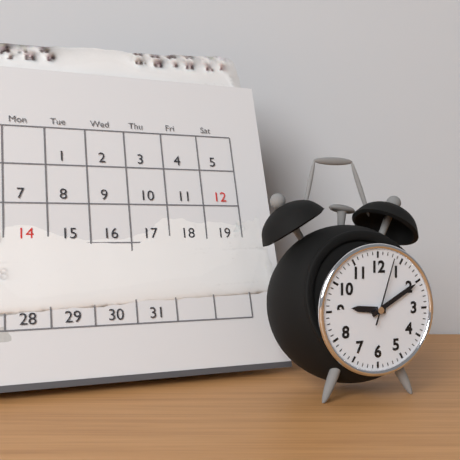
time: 9:10:03
